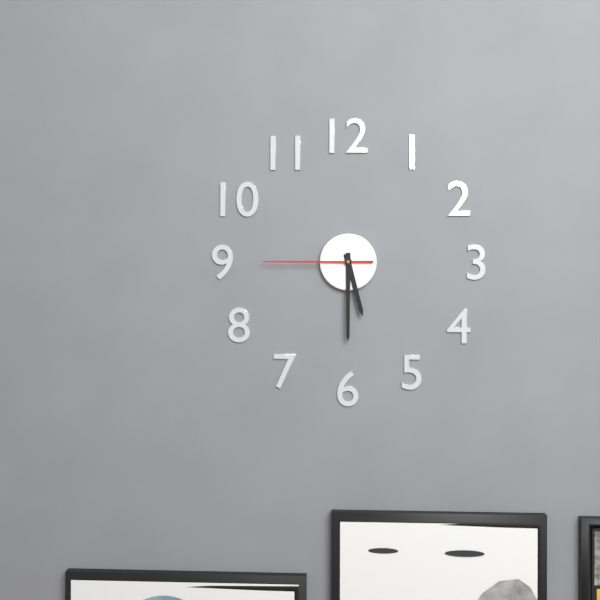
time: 5:30:45
